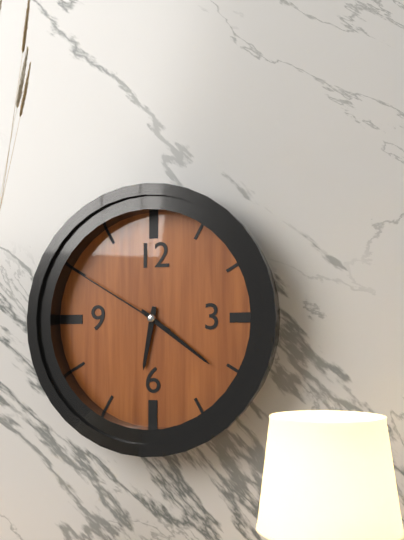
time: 6:21:50
